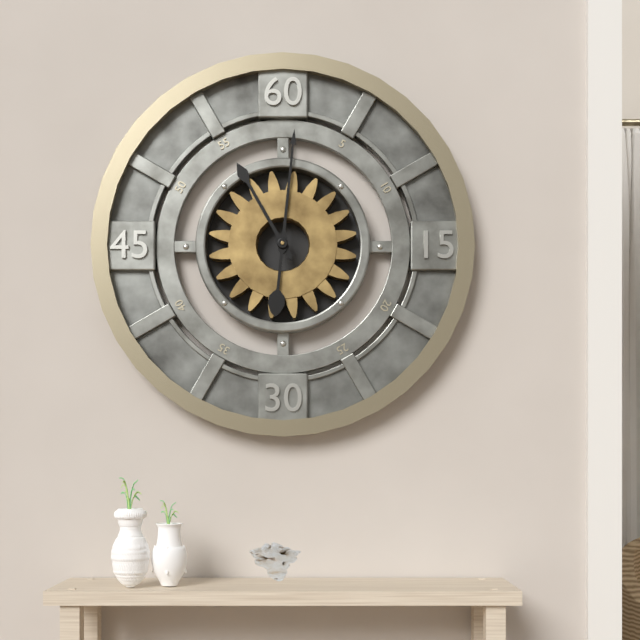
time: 11:01
